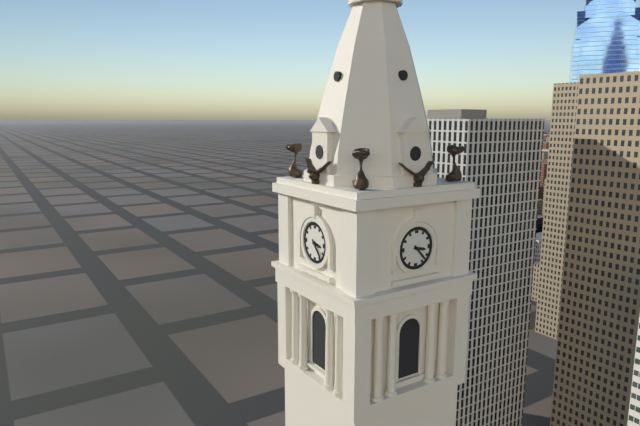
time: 3:23
